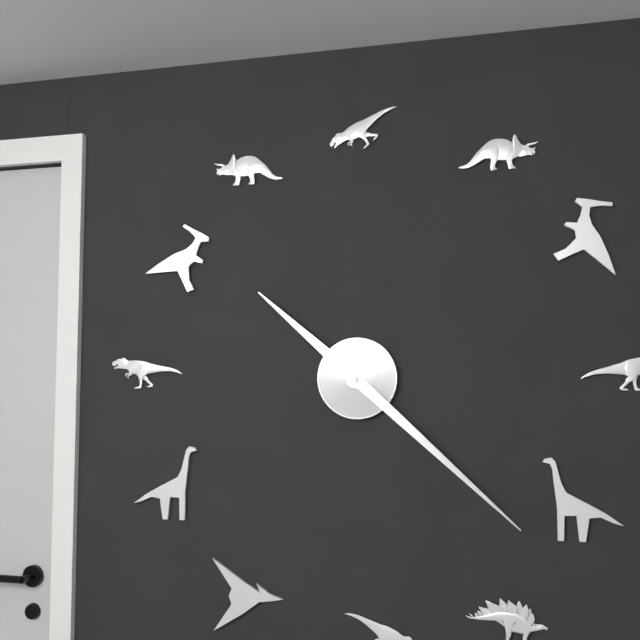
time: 10:22
